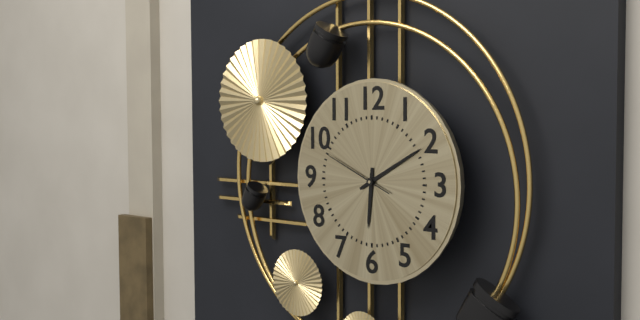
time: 6:10:49
